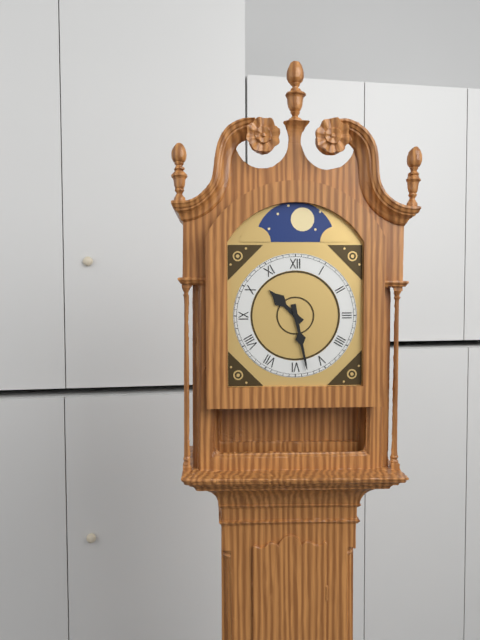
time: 10:28
